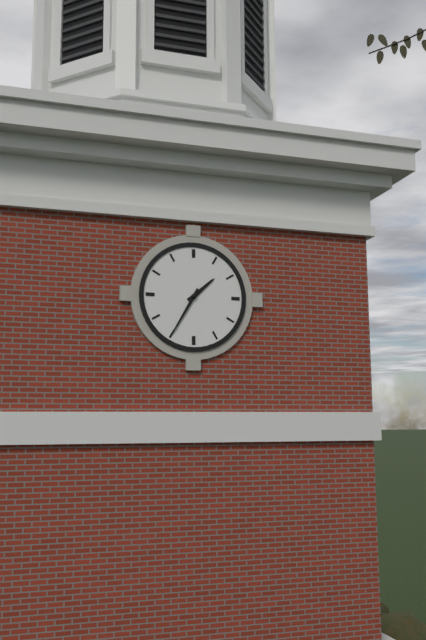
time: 1:35
